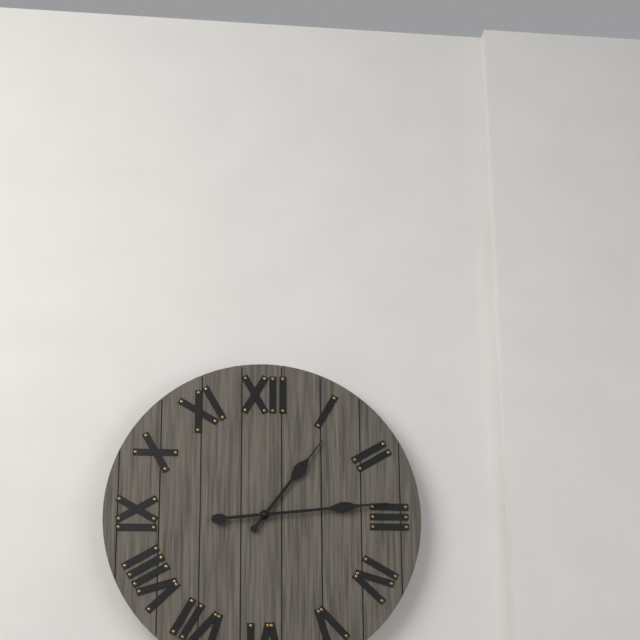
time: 1:14
